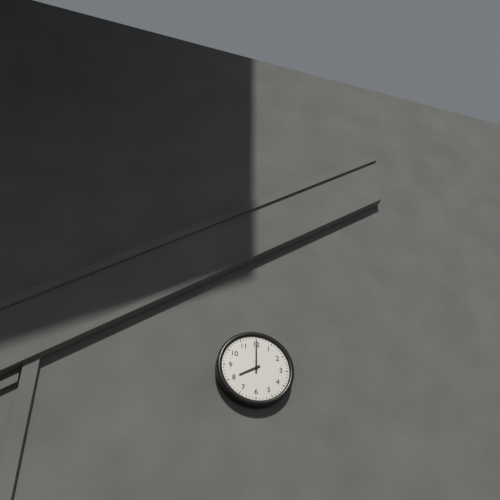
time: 8:00
